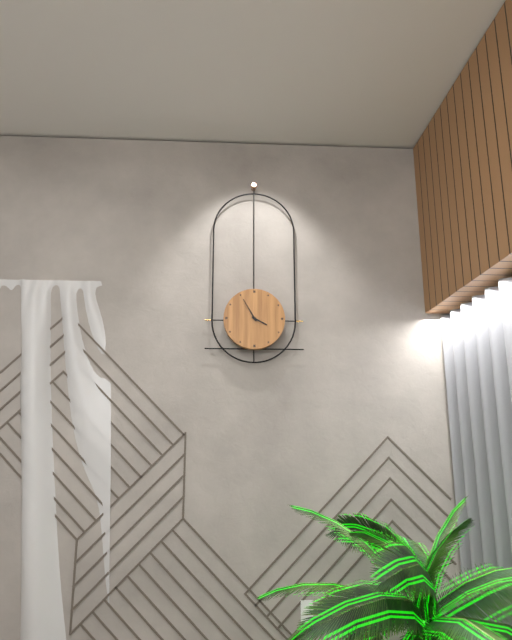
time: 3:55
